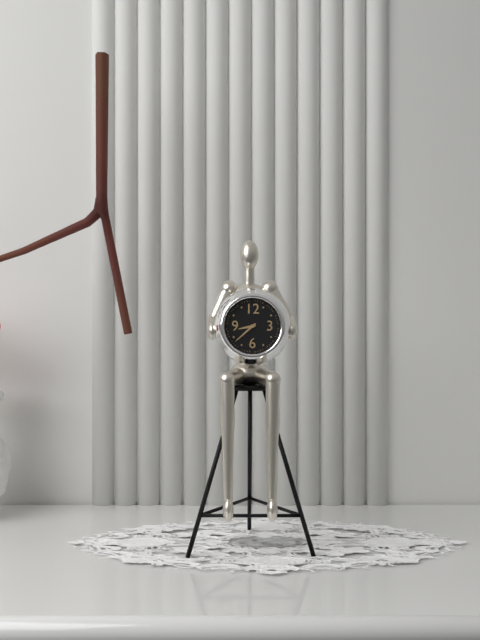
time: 8:38
